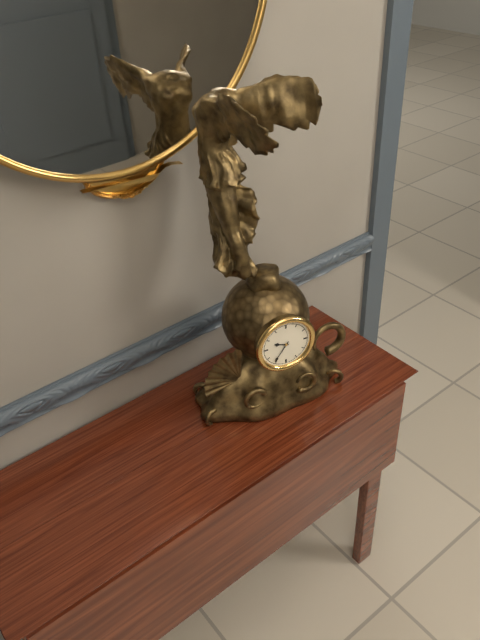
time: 9:36
